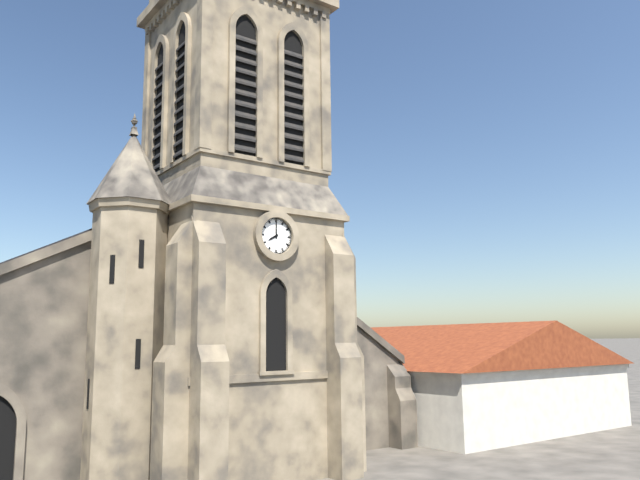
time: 8:00
